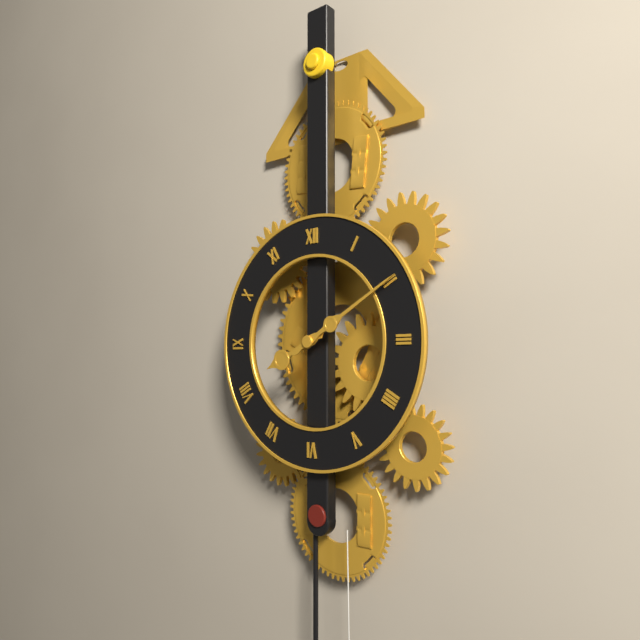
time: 8:10
